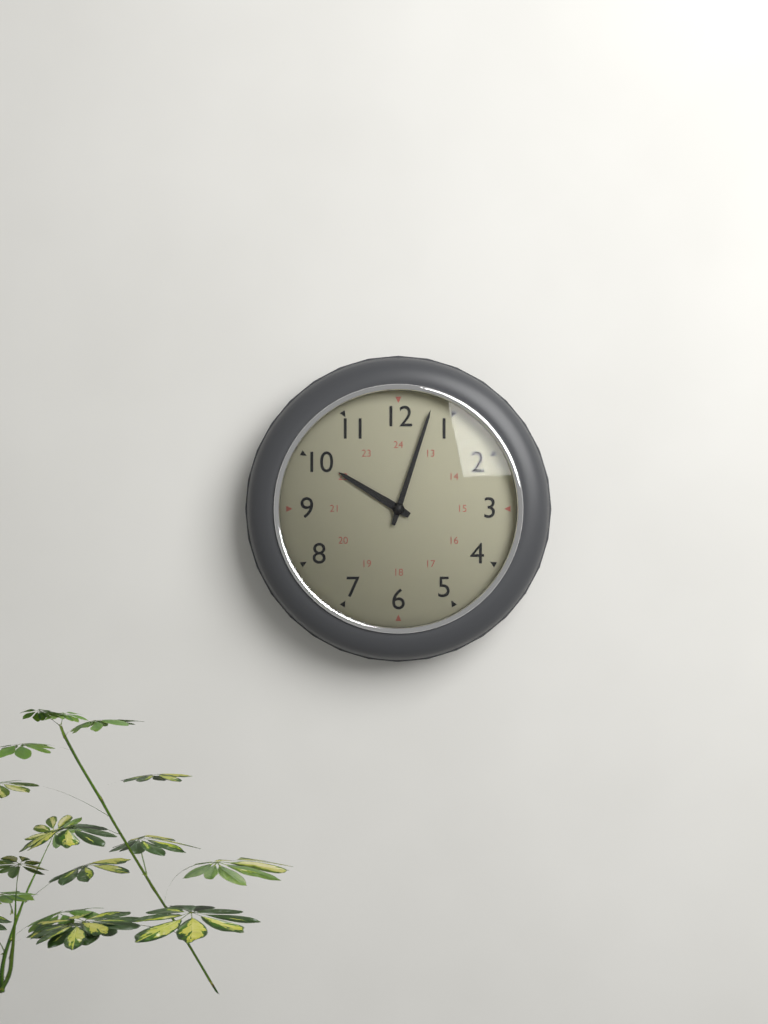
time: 10:03
